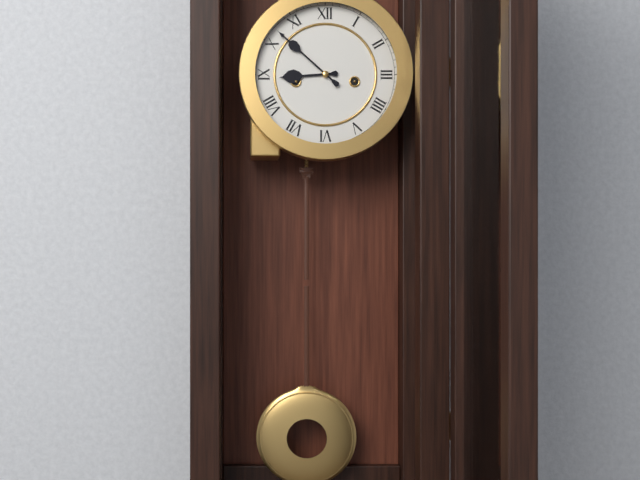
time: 8:52
